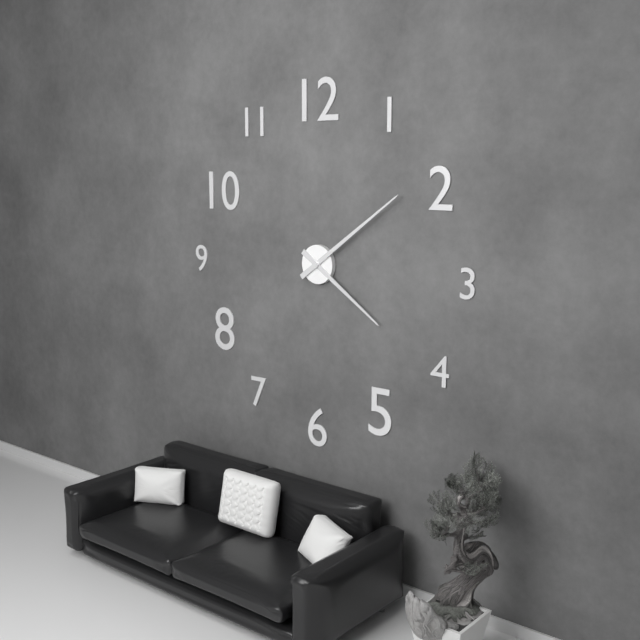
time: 4:09
